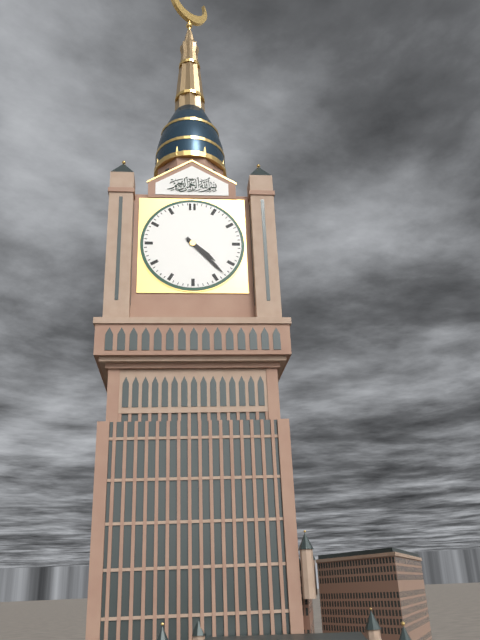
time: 4:23
